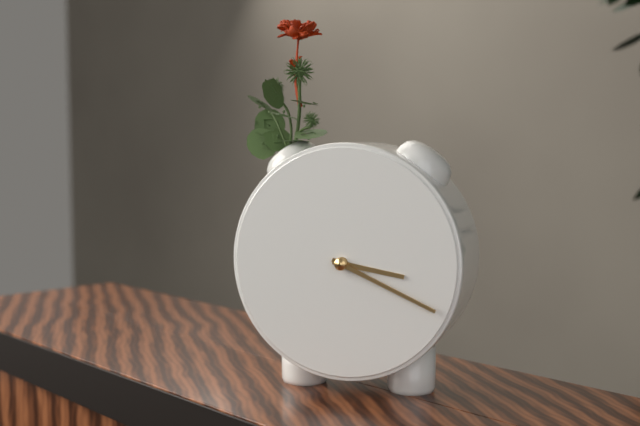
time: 3:19
